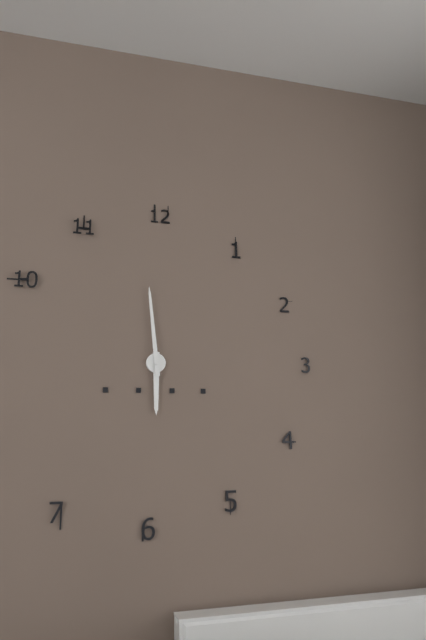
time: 5:59
